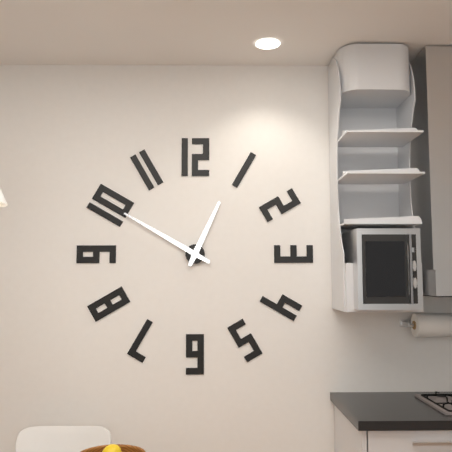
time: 12:50
